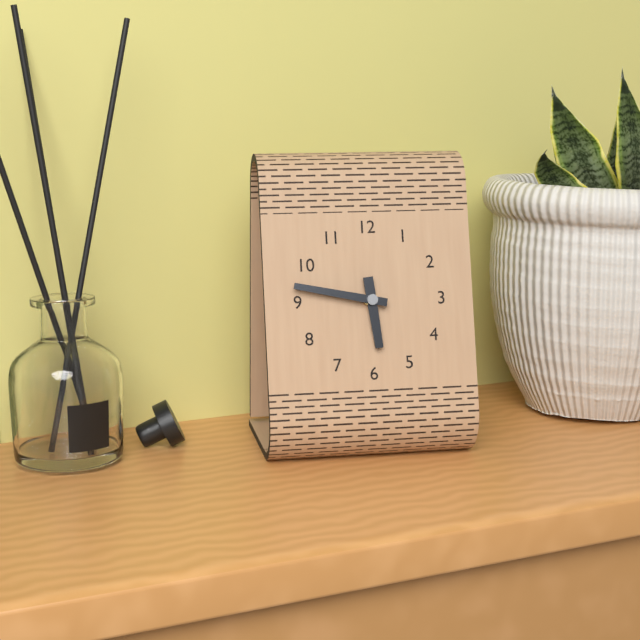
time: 5:47
